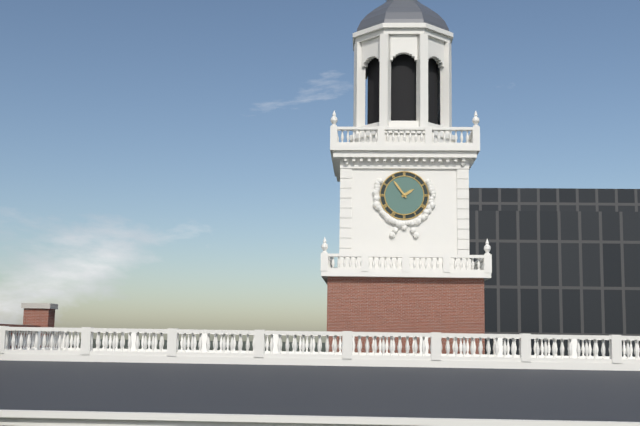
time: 1:54
